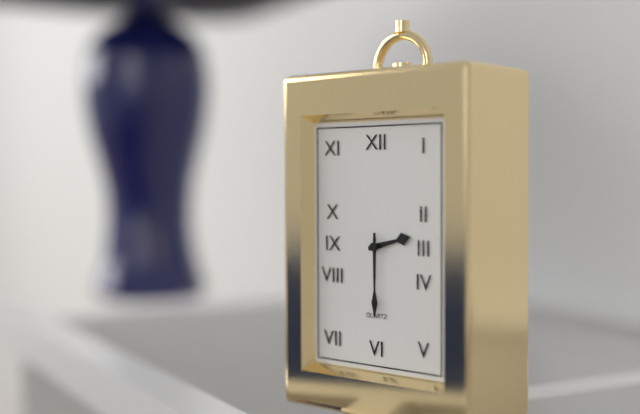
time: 2:30
